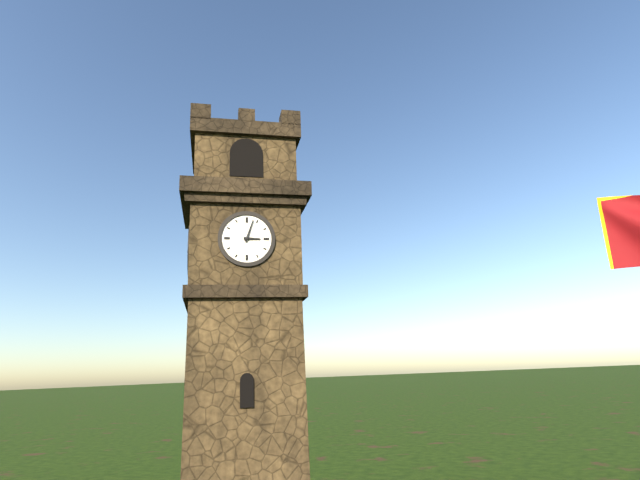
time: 3:03
